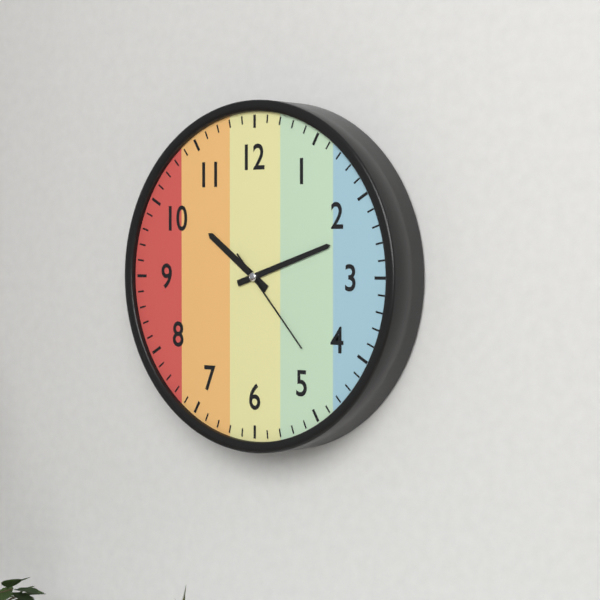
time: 10:12:23
